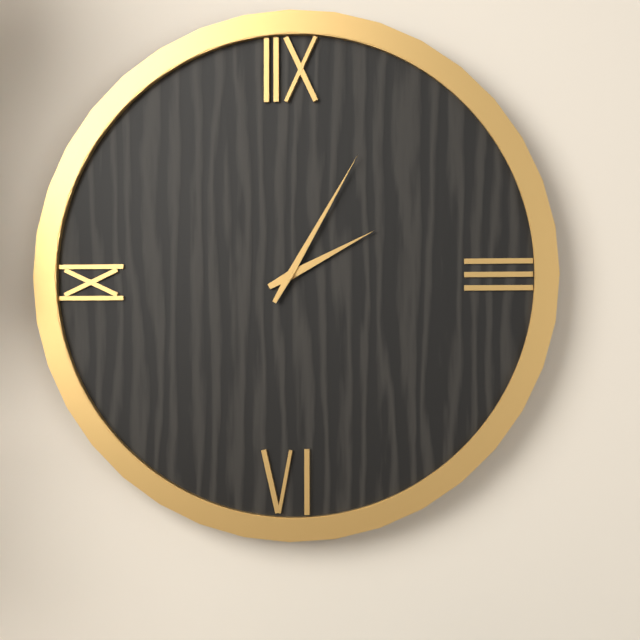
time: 2:05
